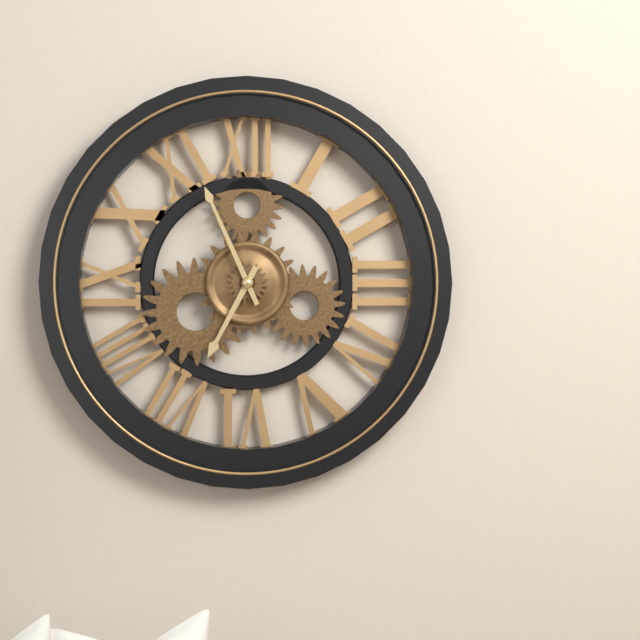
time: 6:56
